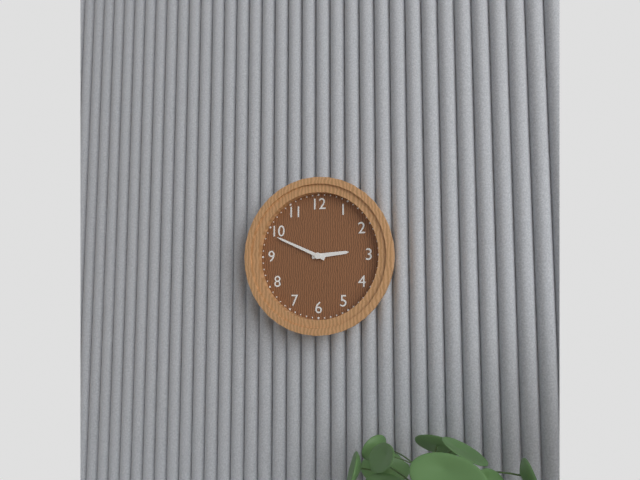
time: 2:49
